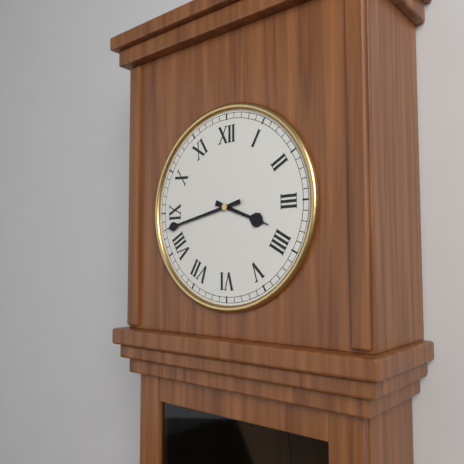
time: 3:43
